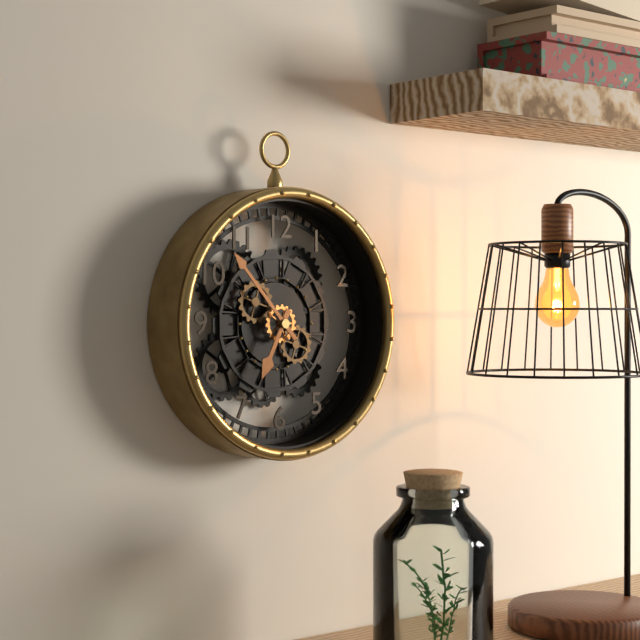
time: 6:53
